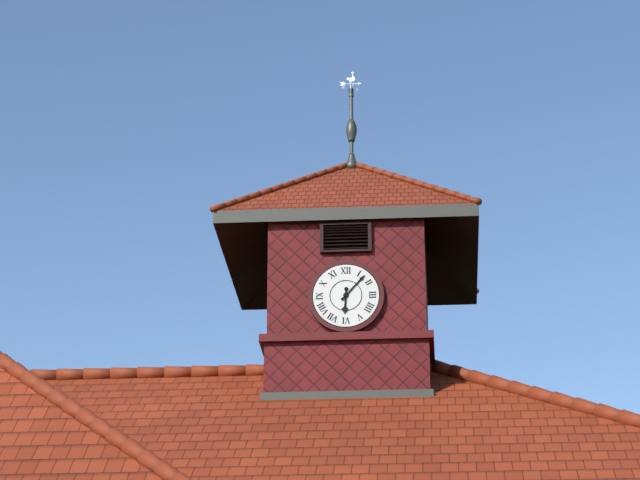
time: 6:07
